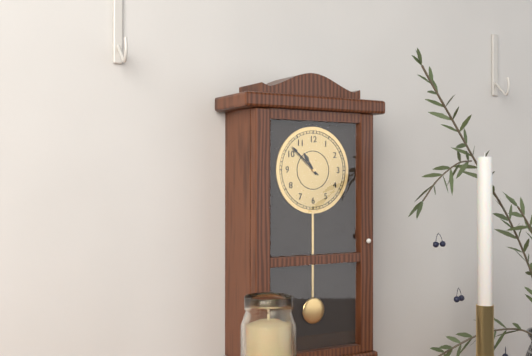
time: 10:52
